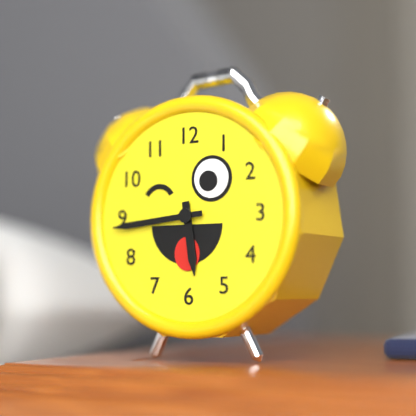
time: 5:44
